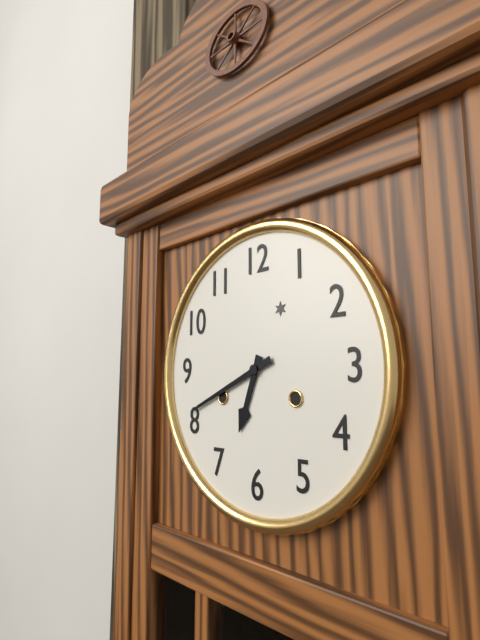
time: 6:41
